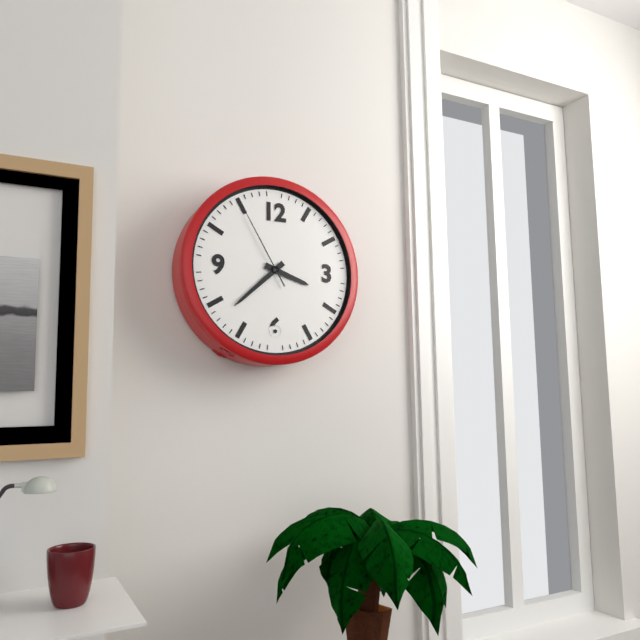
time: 3:38:55
